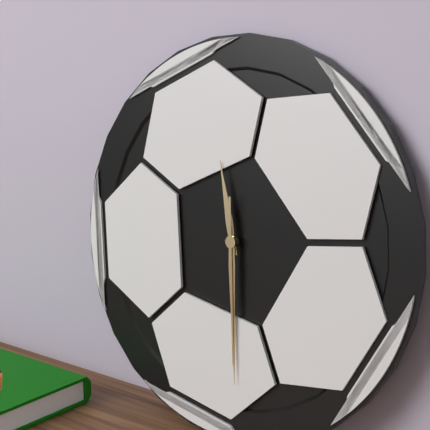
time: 11:29:29
